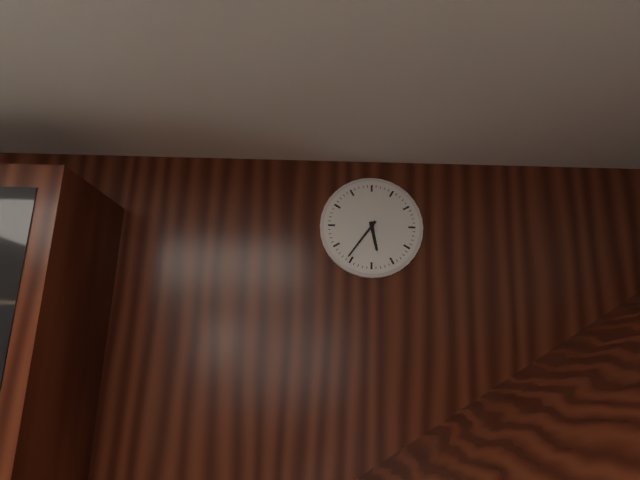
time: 5:36
